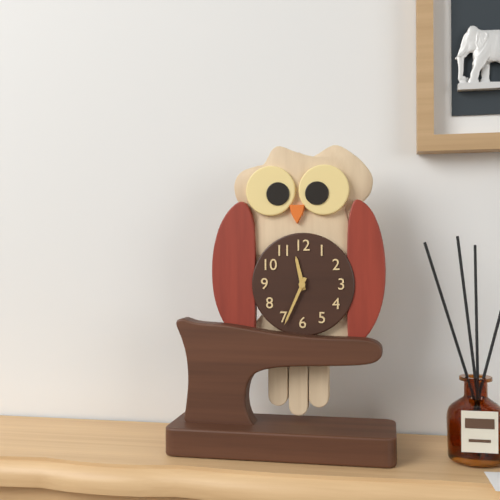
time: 11:34
